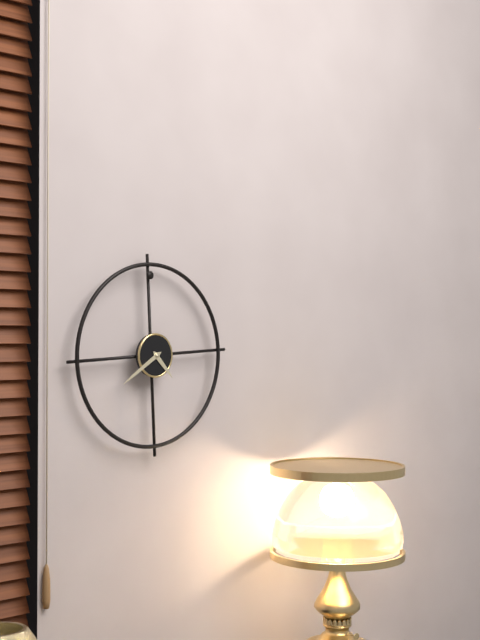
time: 4:40
